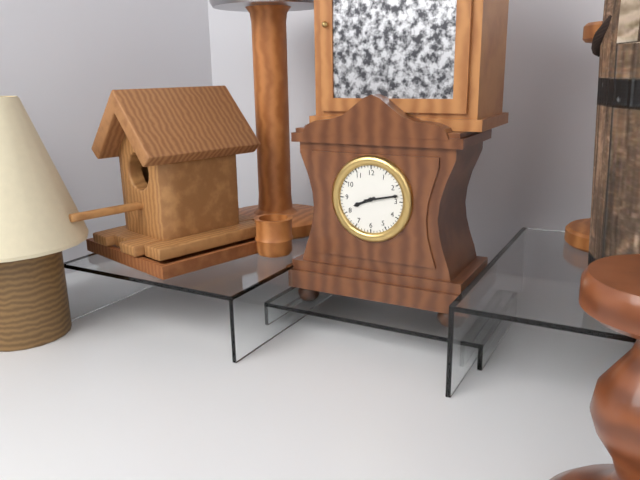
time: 8:13
